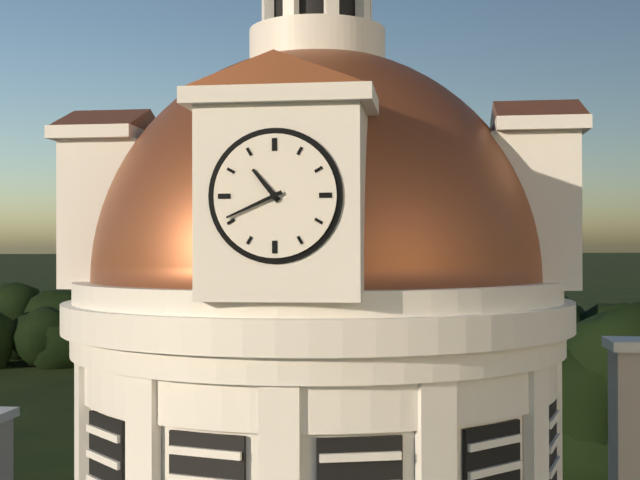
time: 10:41
